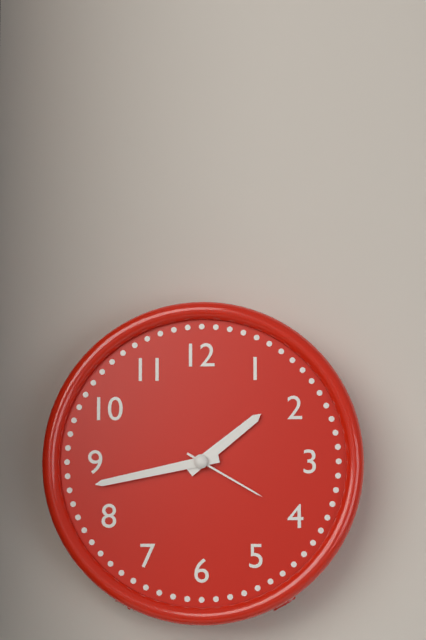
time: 1:43:20
